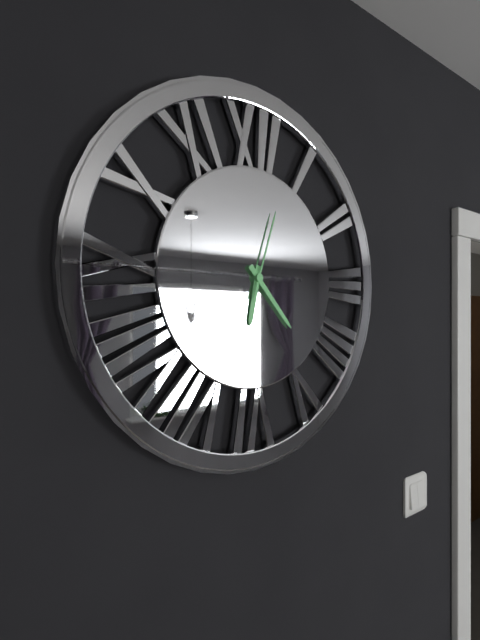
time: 6:23:03
